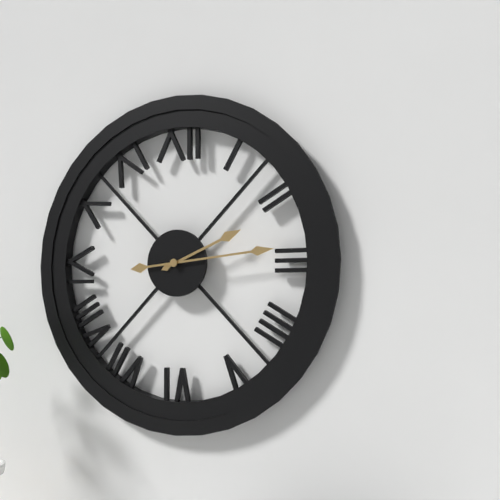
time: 2:14
